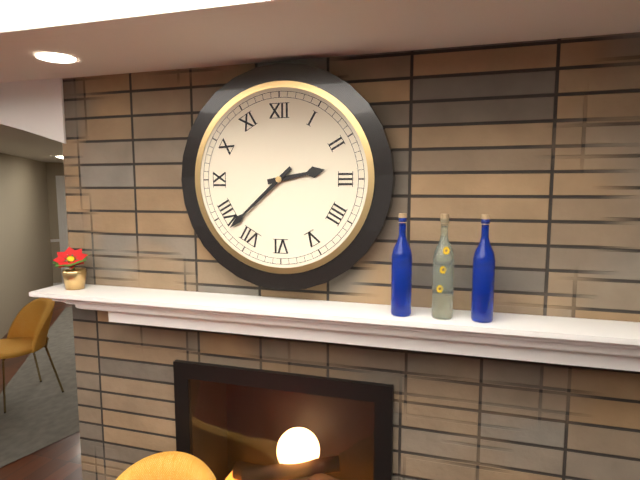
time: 2:38
